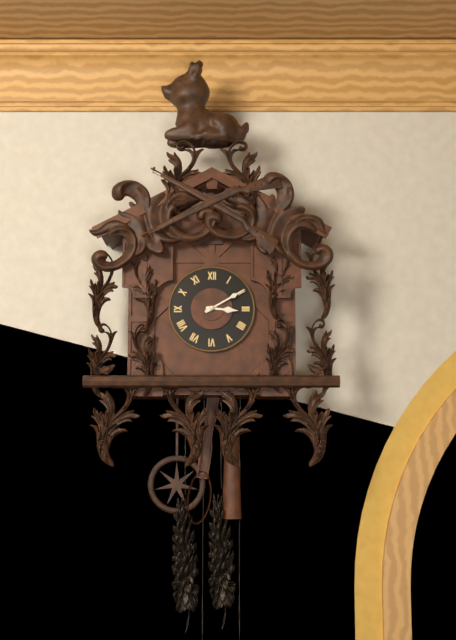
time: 3:10
